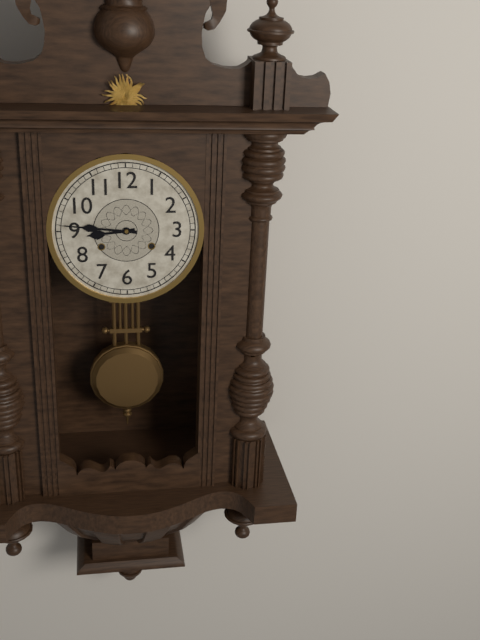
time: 8:46
